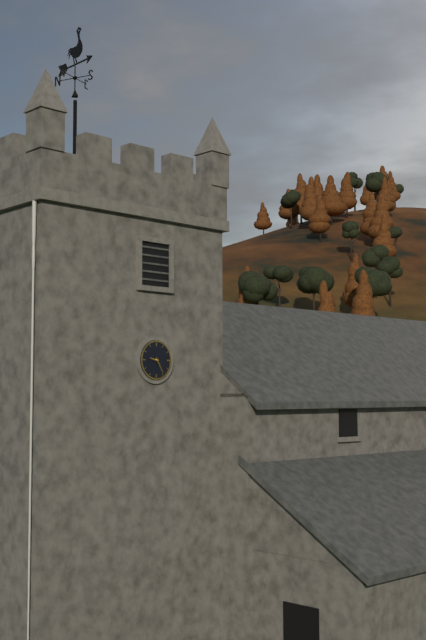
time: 9:25
